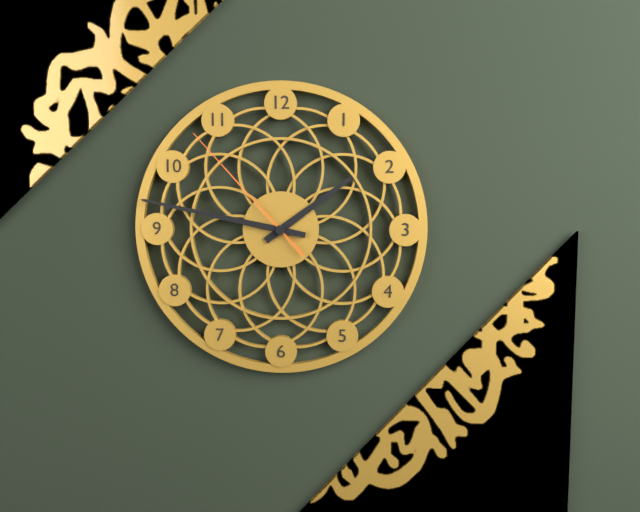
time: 1:47:53
